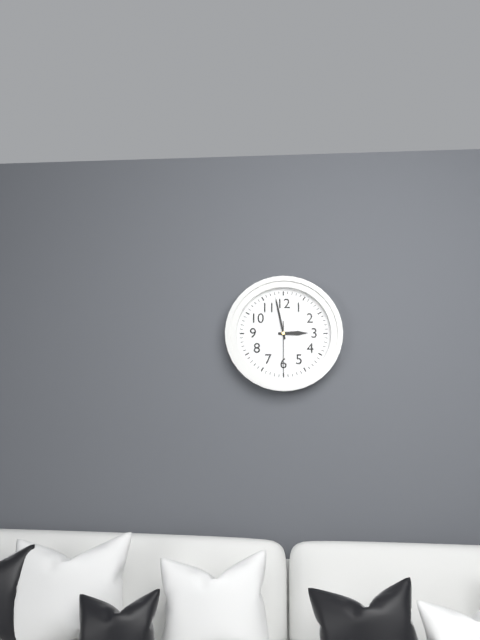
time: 2:58:30
